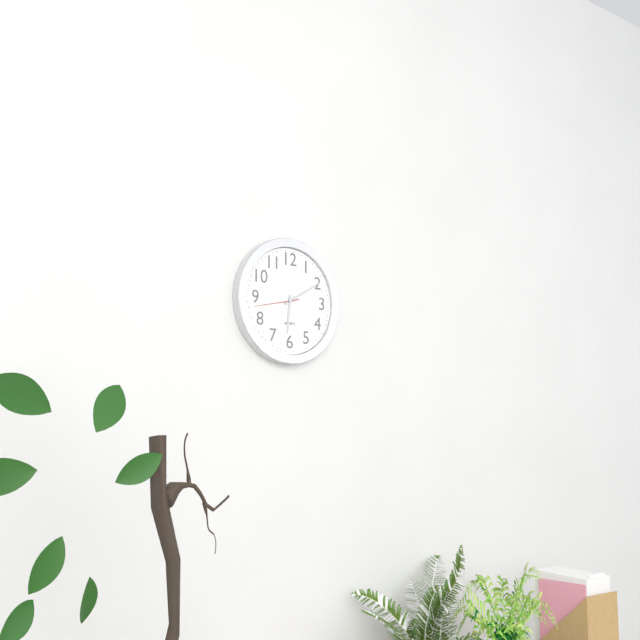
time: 6:10
